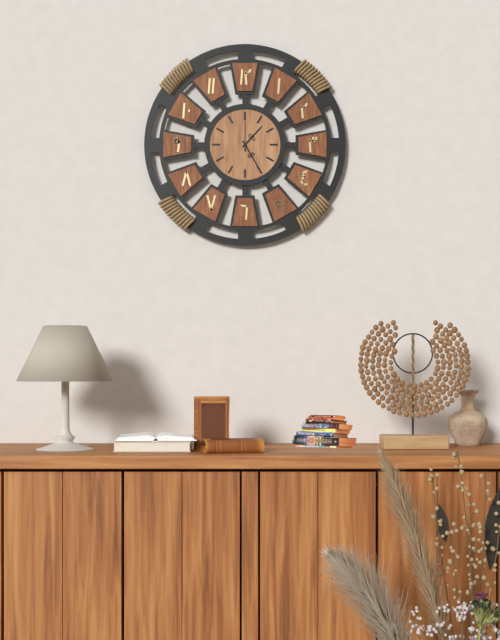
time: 1:25
